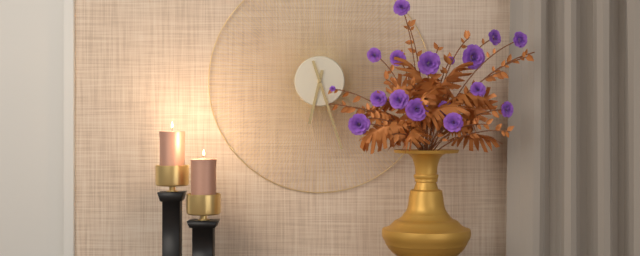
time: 6:27
